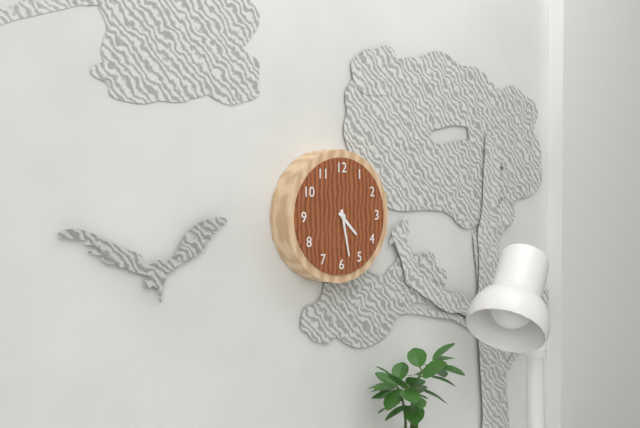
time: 4:28
